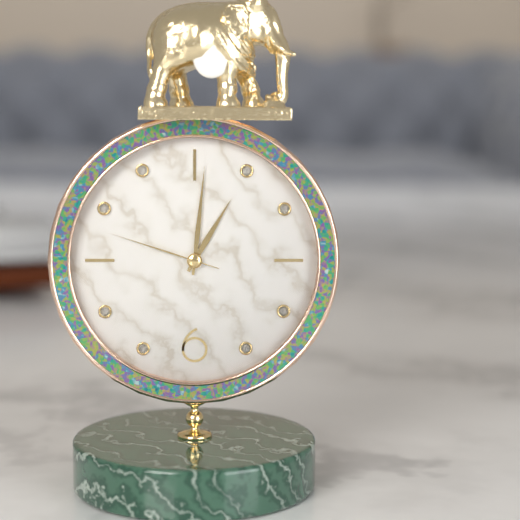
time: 1:01:48
